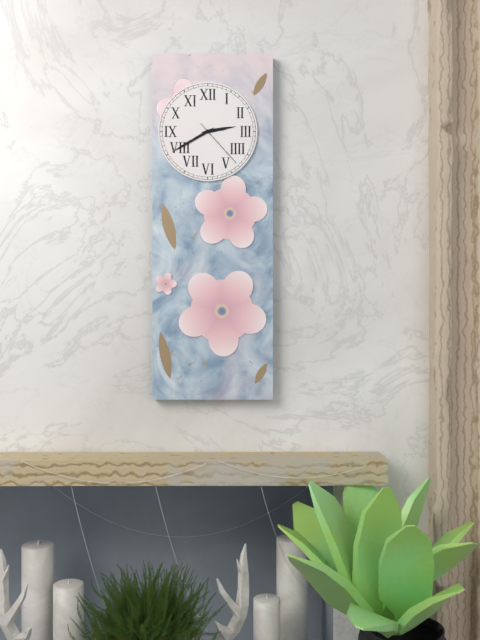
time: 2:40:23
